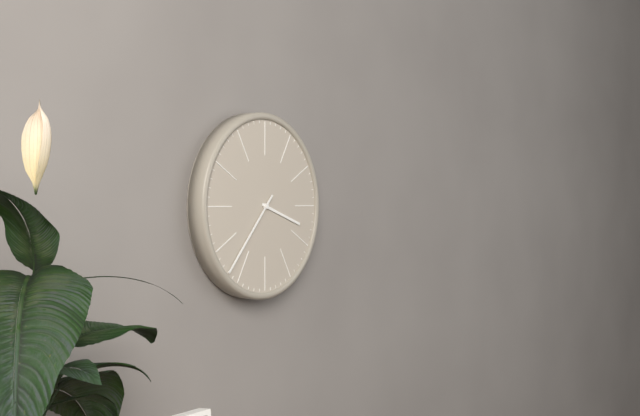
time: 3:37
